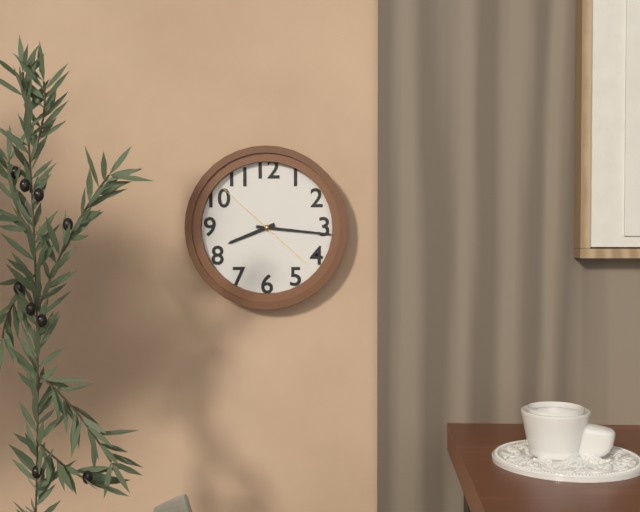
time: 8:16:52
